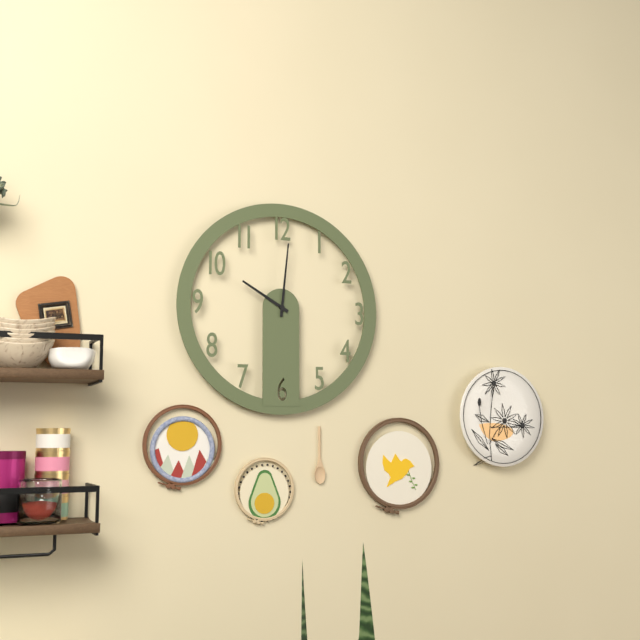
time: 10:01
